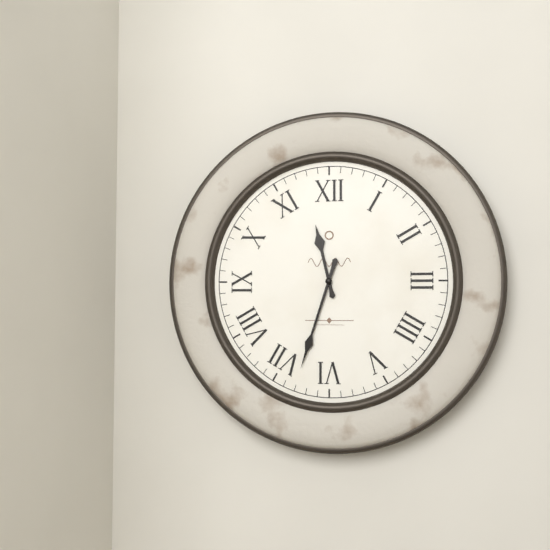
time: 11:33
